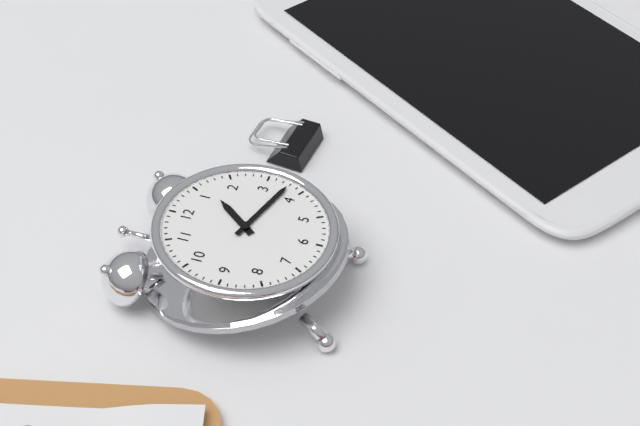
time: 1:18
